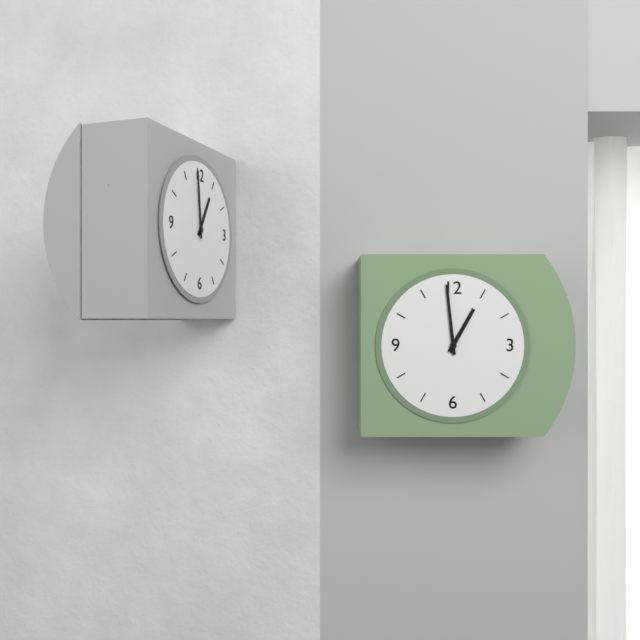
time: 12:59
